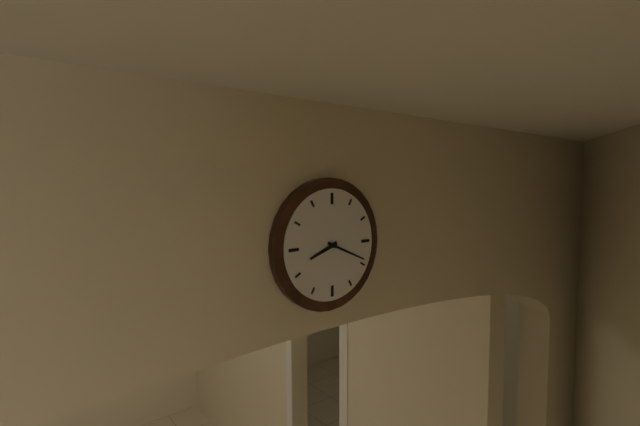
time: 8:19
